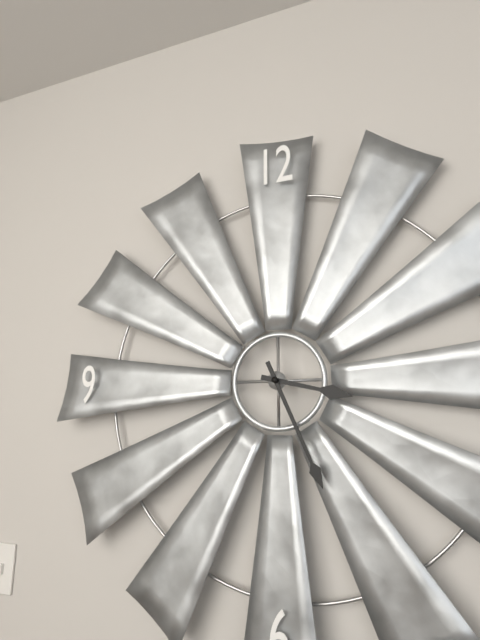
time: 3:26
